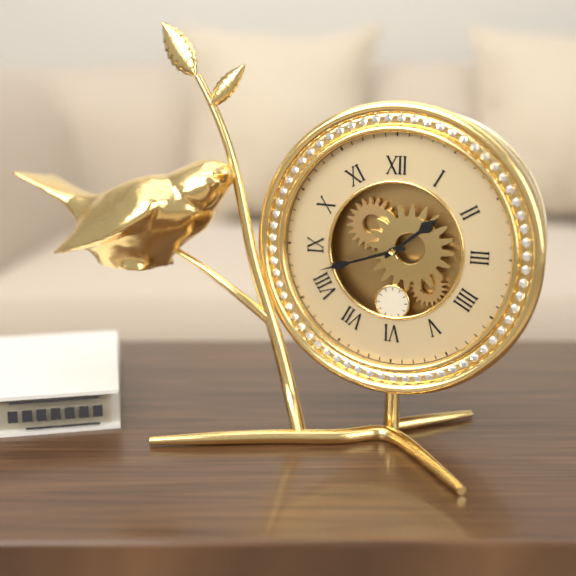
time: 1:42
